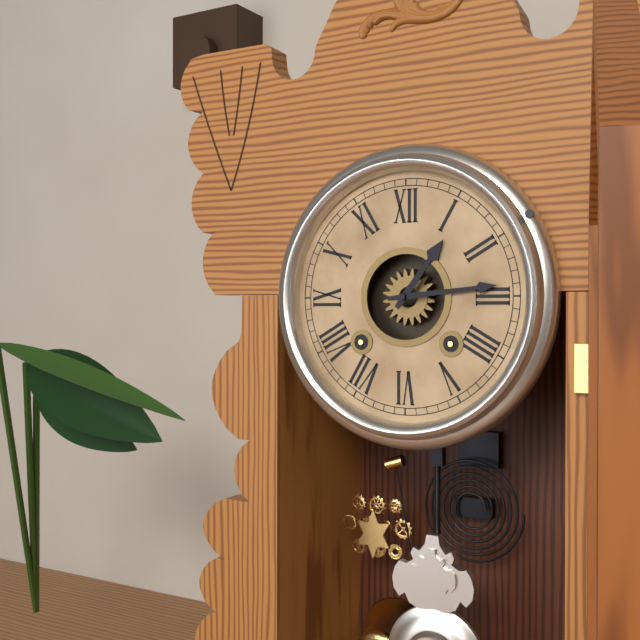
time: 1:14
